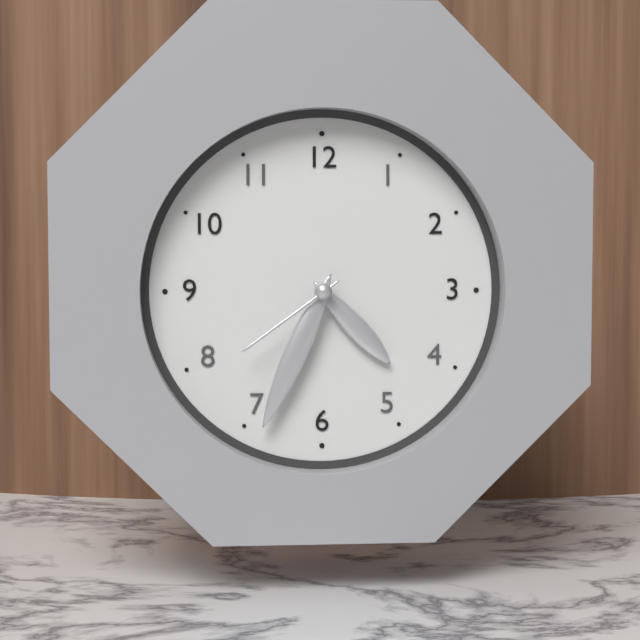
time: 4:34:39
